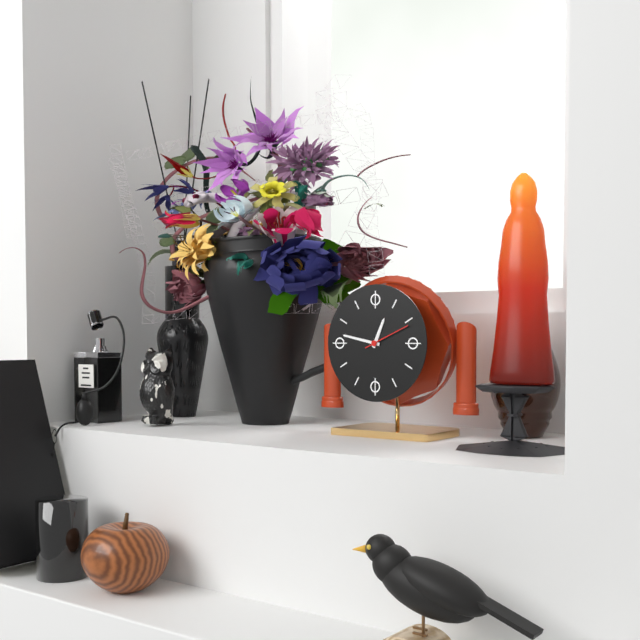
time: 12:47
